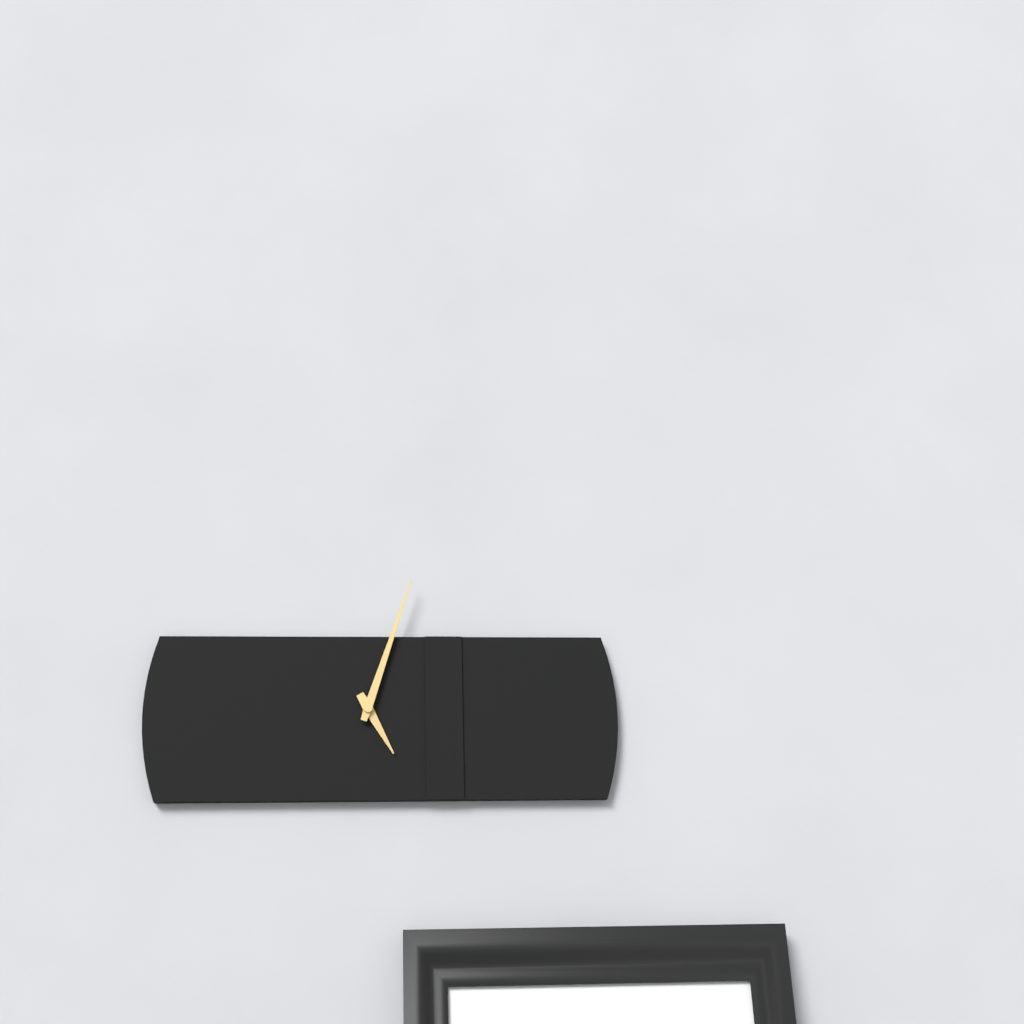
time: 5:03
